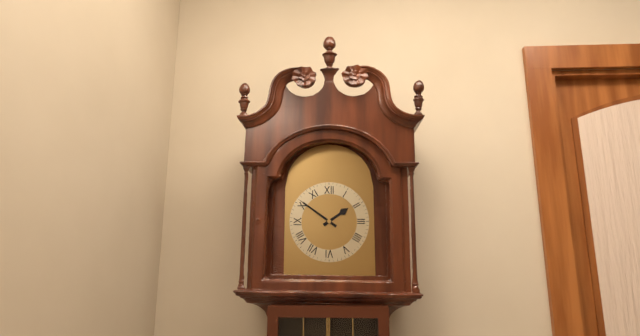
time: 1:51
